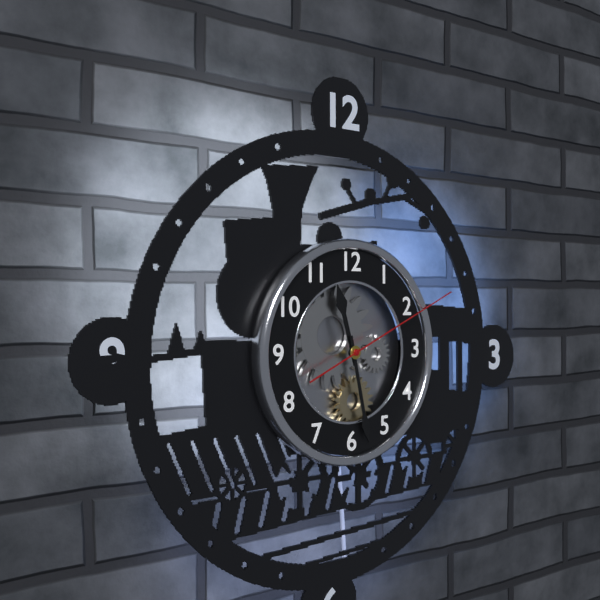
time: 11:28:11
